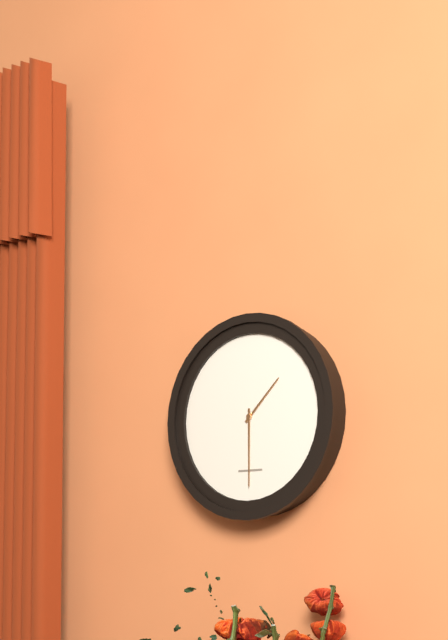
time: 1:30
